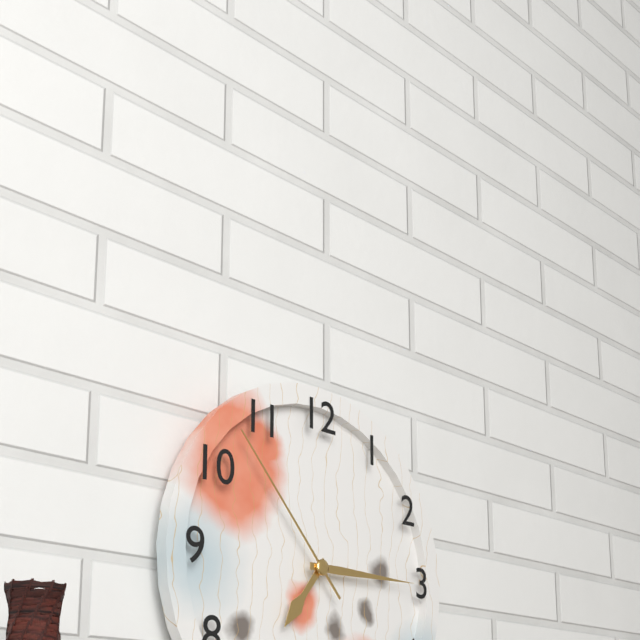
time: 7:15:53
